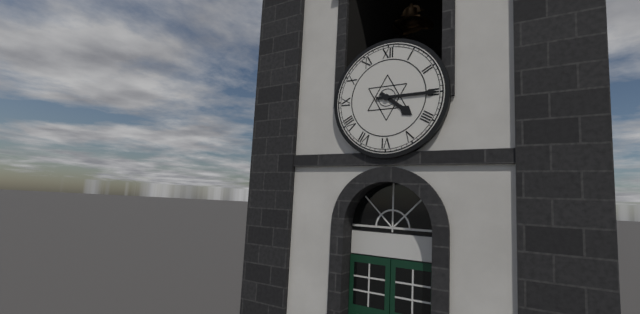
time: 4:15
